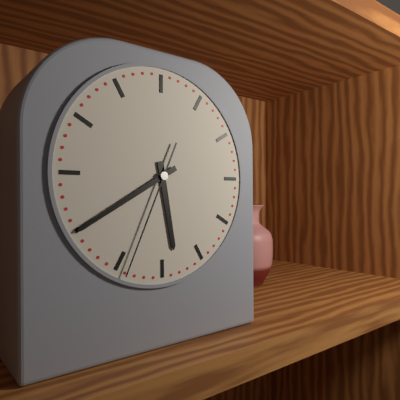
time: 5:40:34
